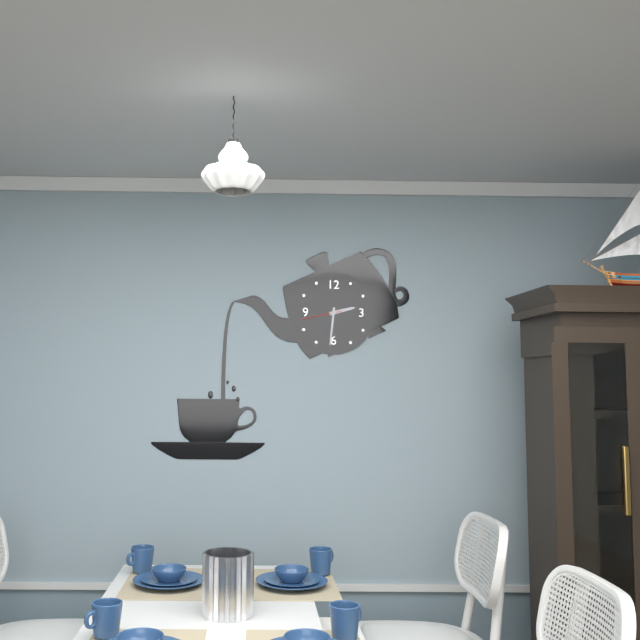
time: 2:31
